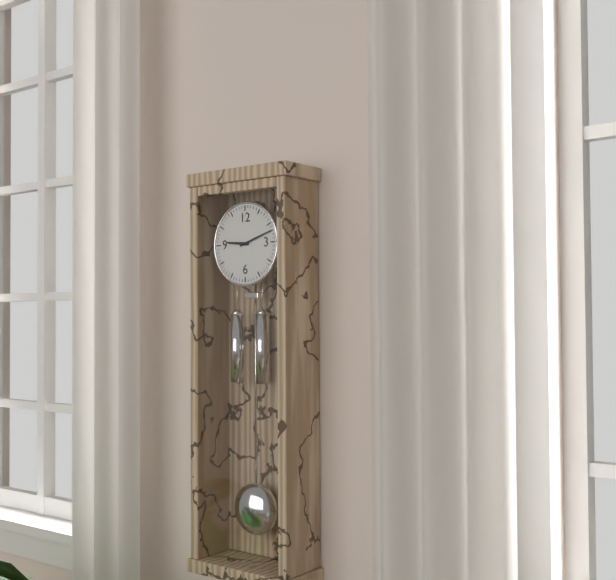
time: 9:12
